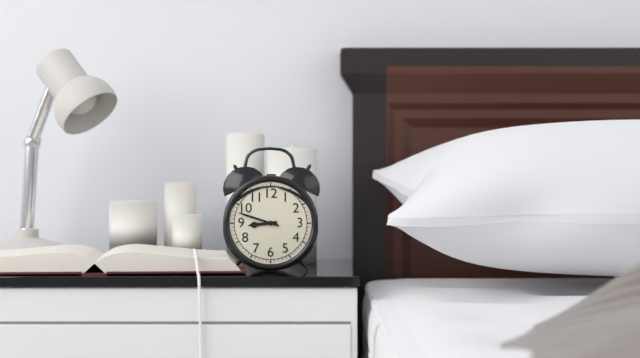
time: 8:48
